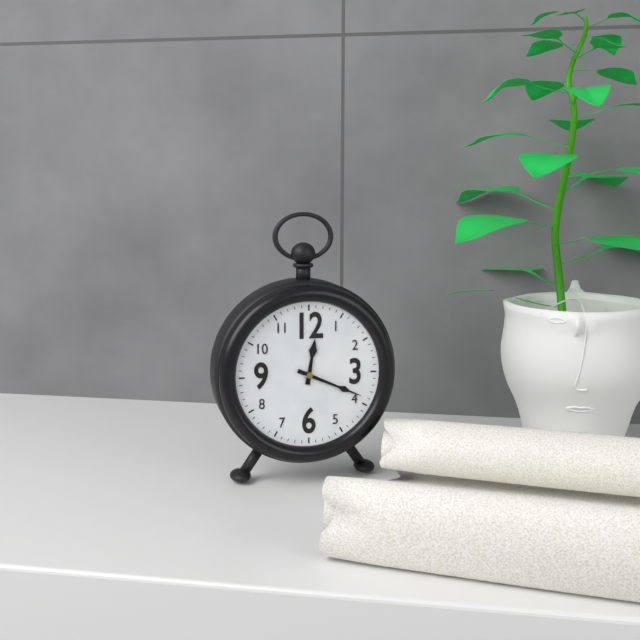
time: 12:19
